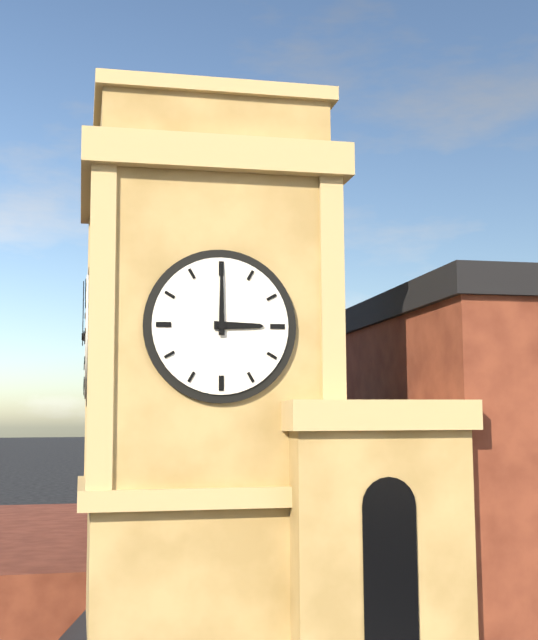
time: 3:00
